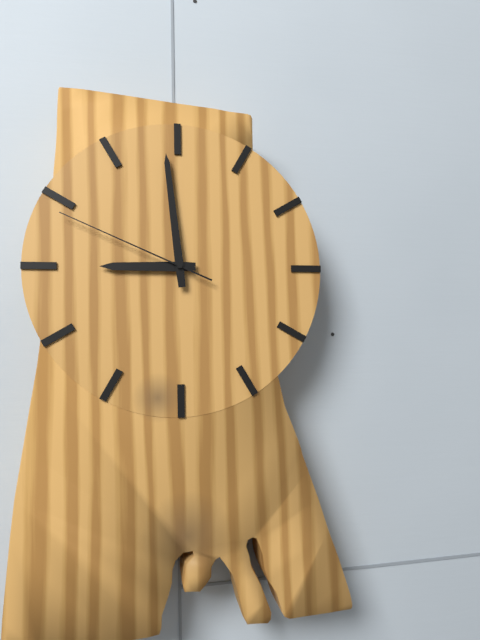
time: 8:59:49
